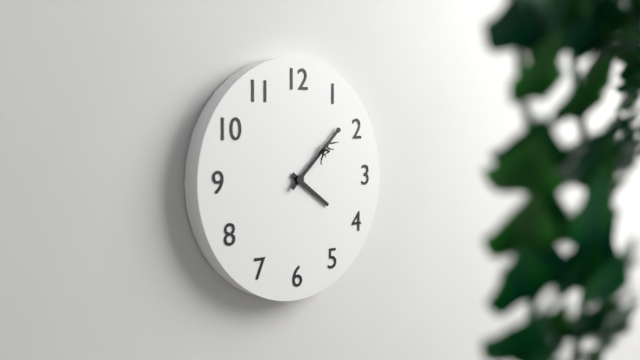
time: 4:08
